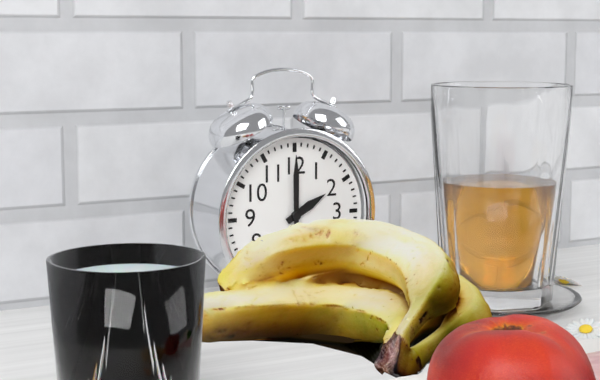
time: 2:00
